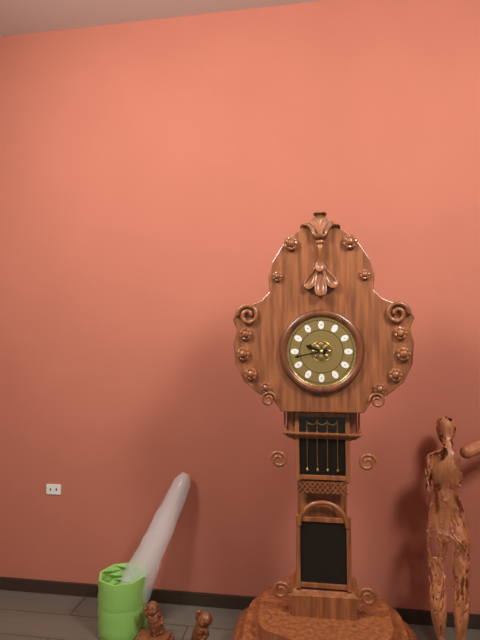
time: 9:43
